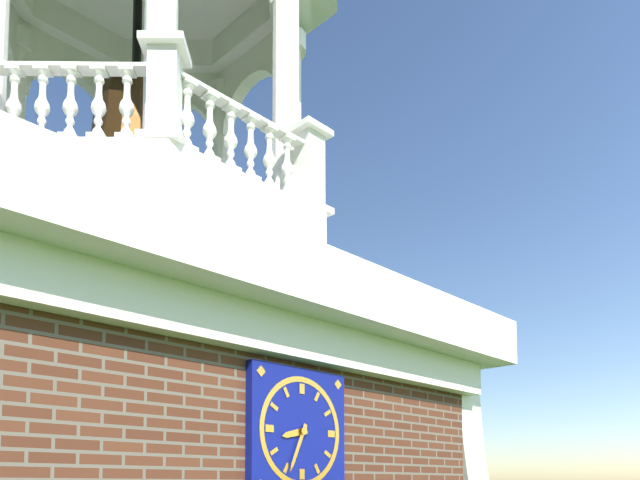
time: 8:34
